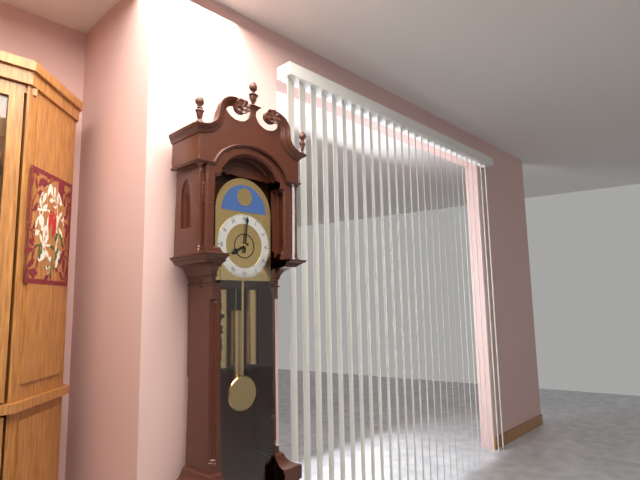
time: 8:01
